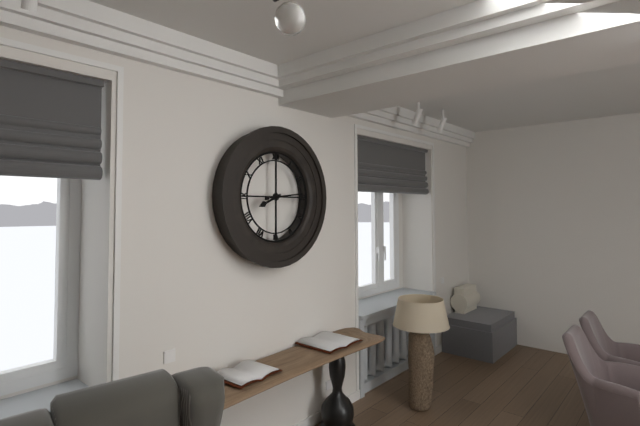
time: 8:14
